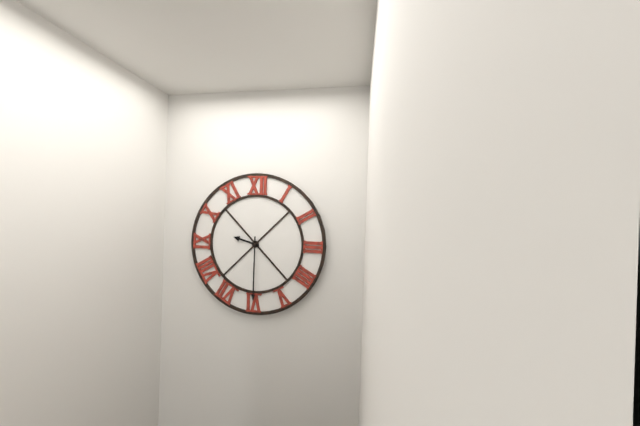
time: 9:30
